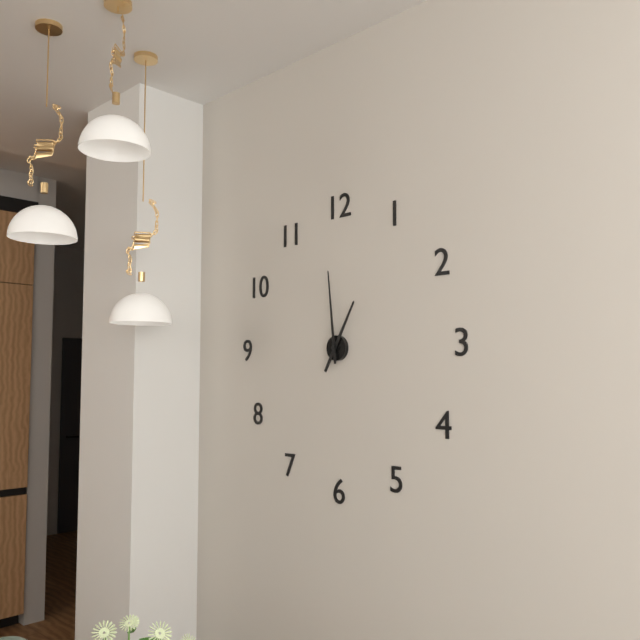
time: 12:59
